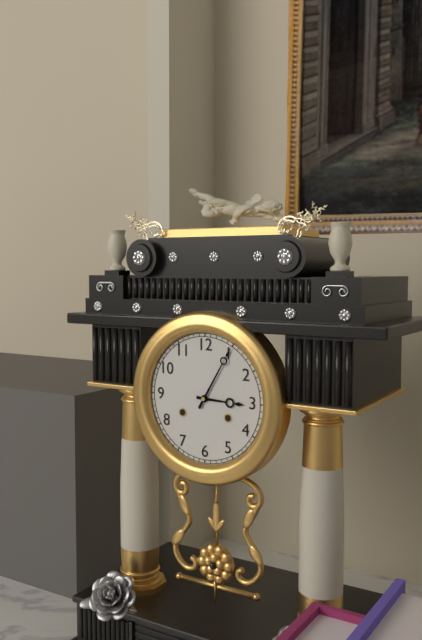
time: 3:05
